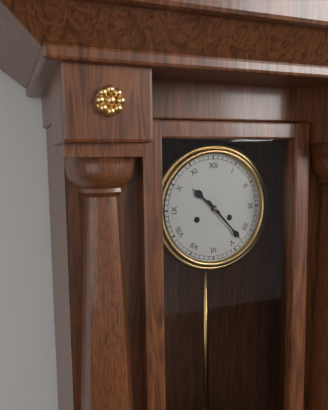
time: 10:23
